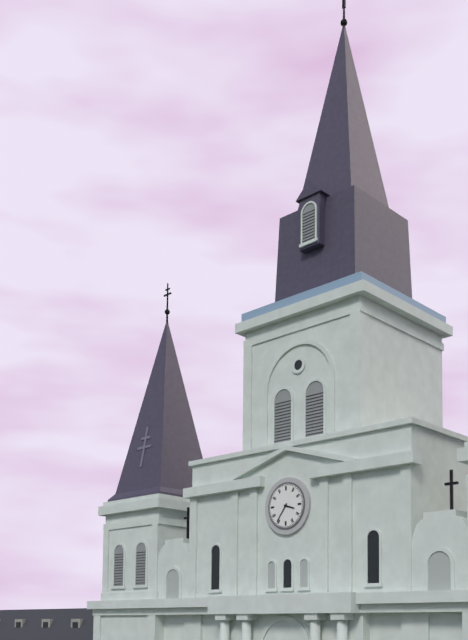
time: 3:36
